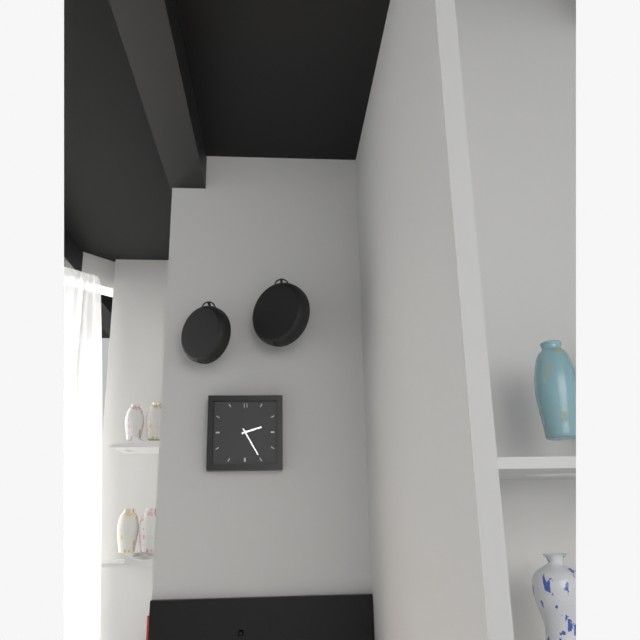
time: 2:25
